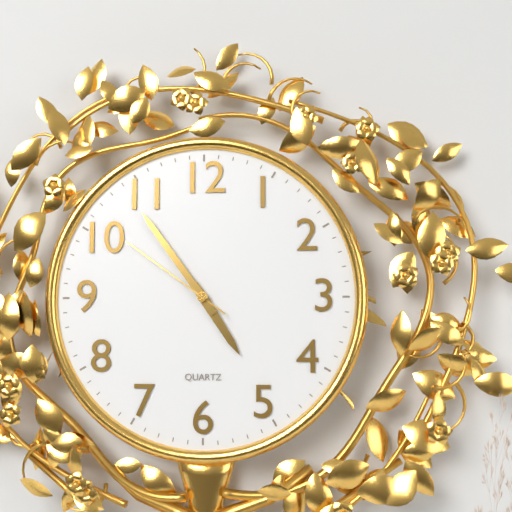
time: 4:54:51
